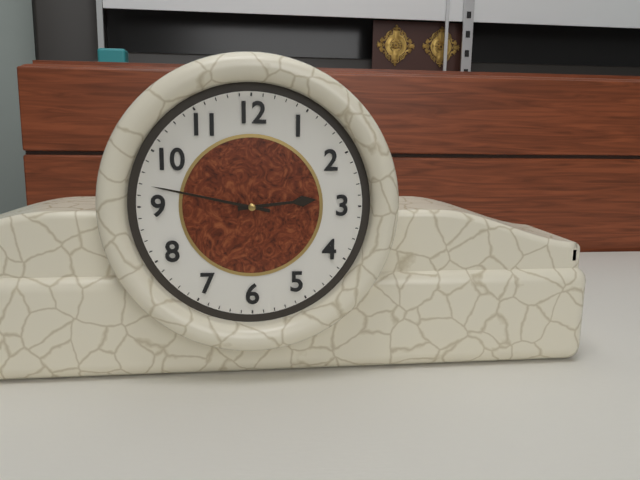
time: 2:47
